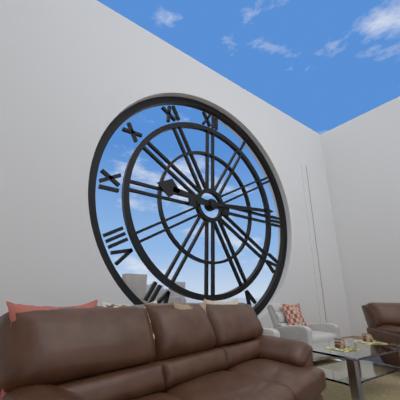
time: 9:14
